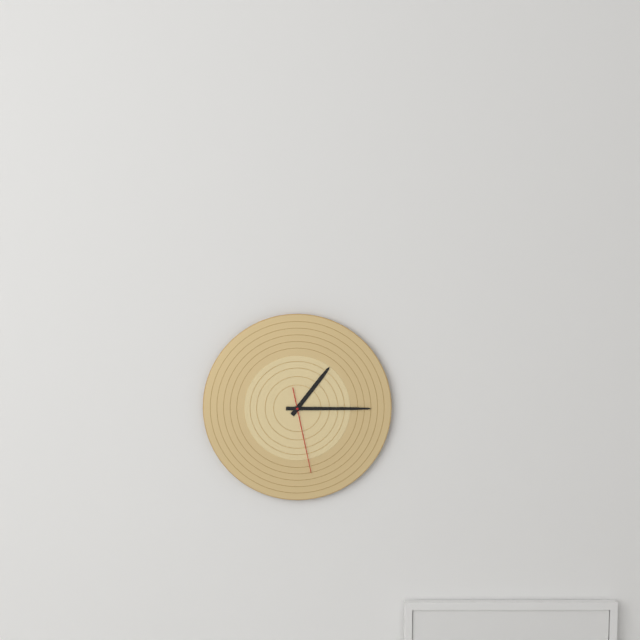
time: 1:15:28
